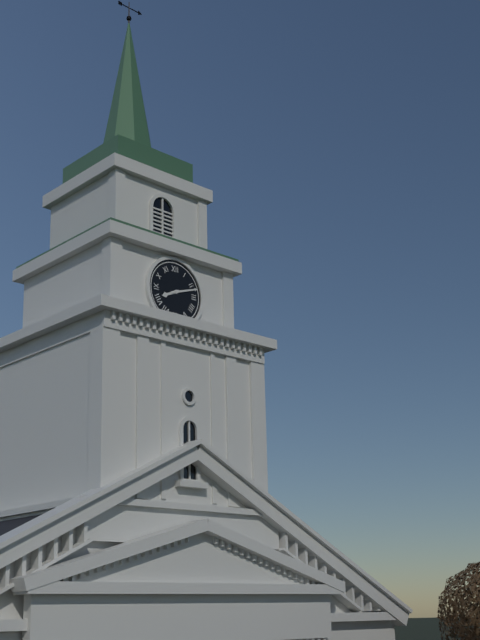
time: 8:12
